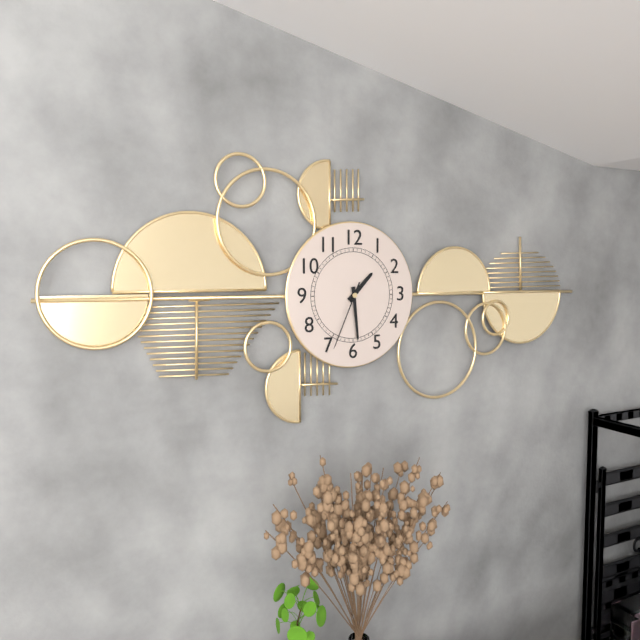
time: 1:29:34
